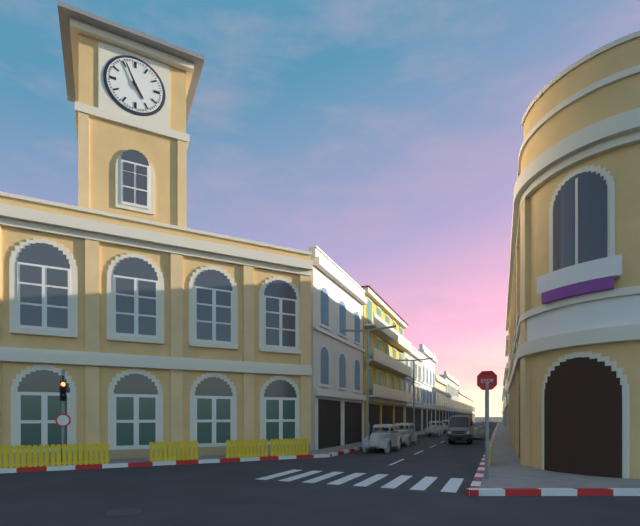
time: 4:56
